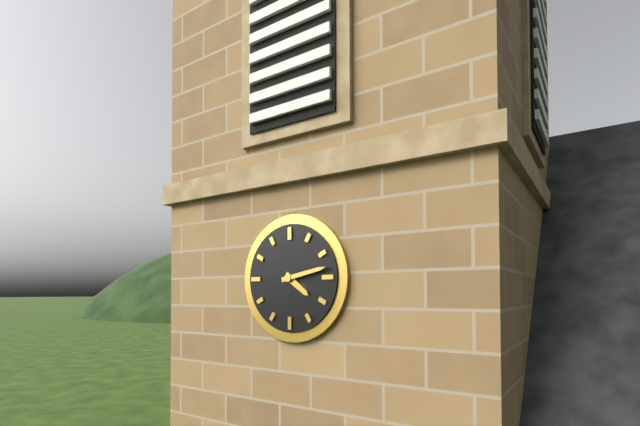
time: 4:13
